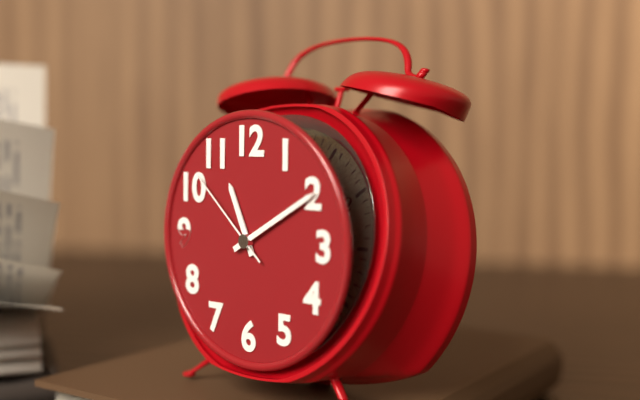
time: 11:10:52
